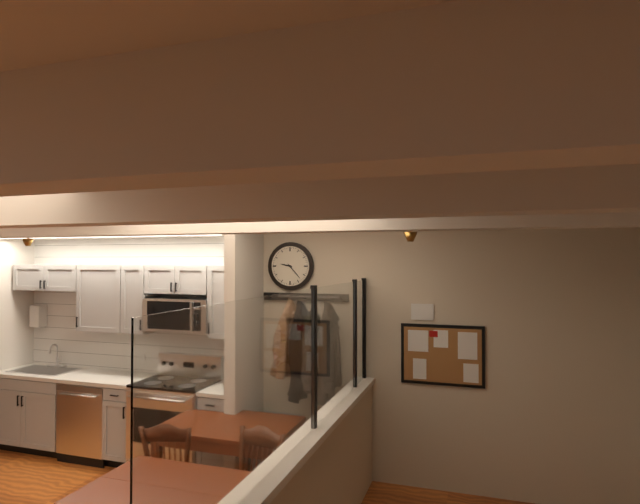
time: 9:23
